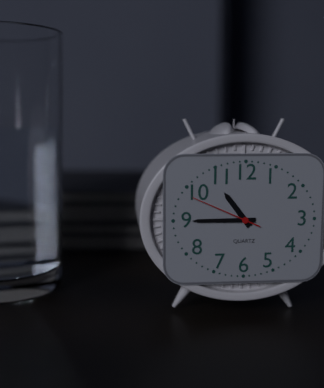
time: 10:45:49
